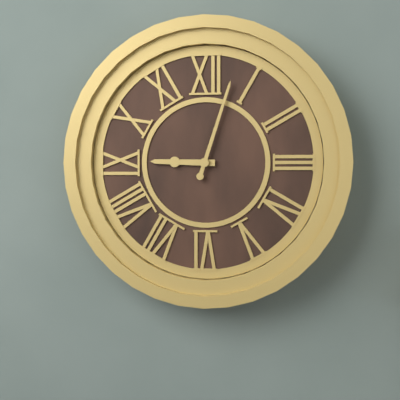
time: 9:03
